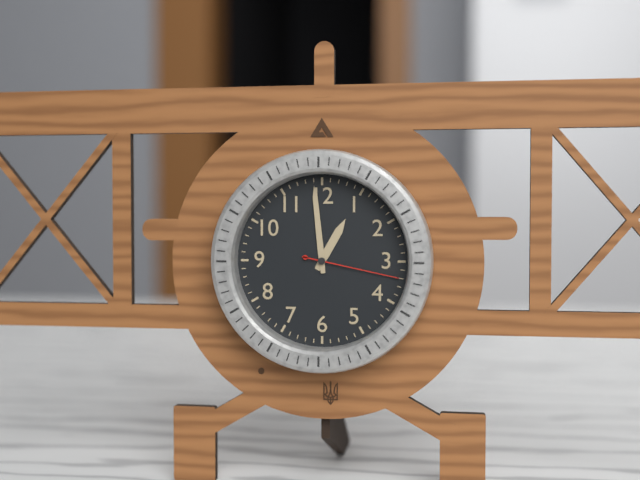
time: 12:59:17
